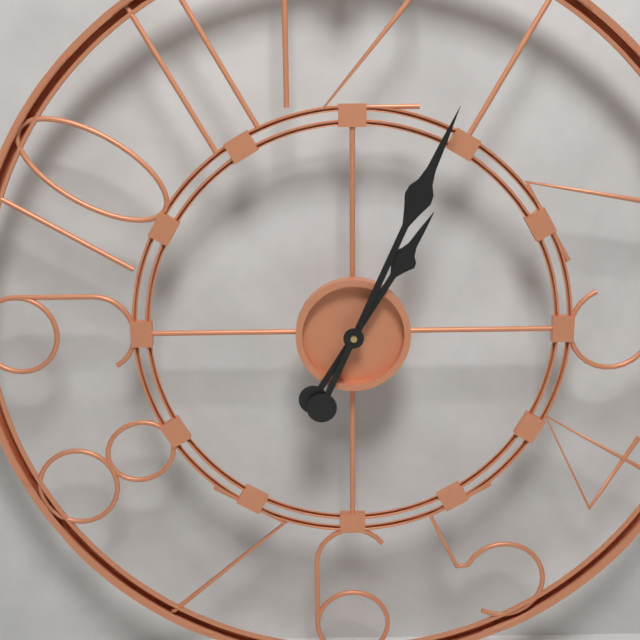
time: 1:04
